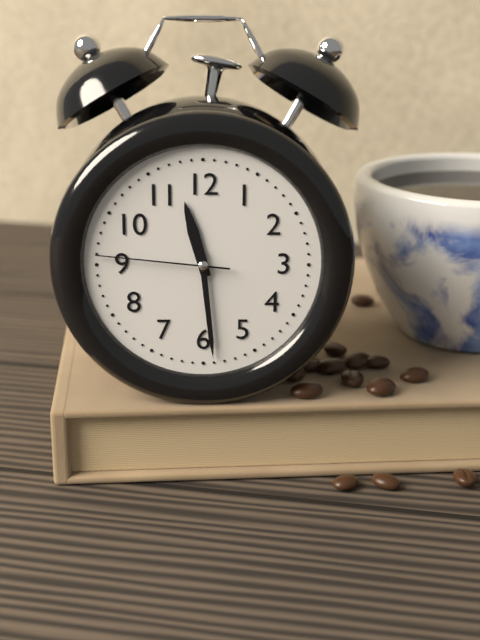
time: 11:29:46
